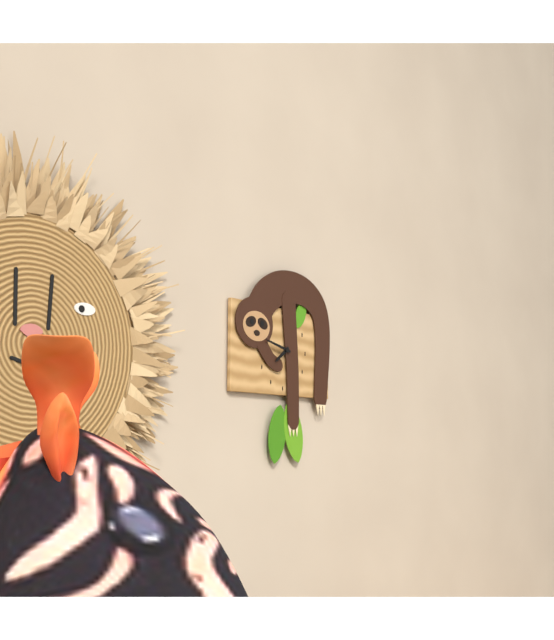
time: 7:47
